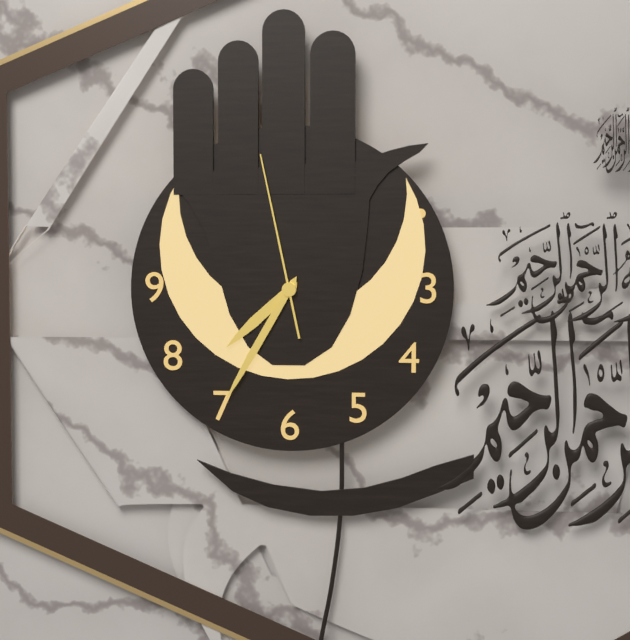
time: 7:35:58
